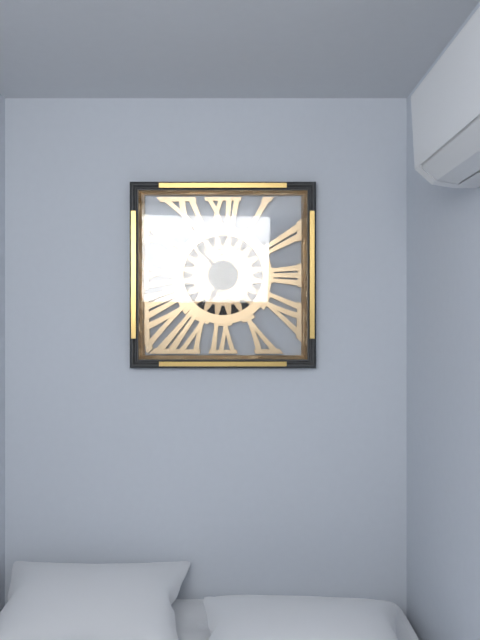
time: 6:53
